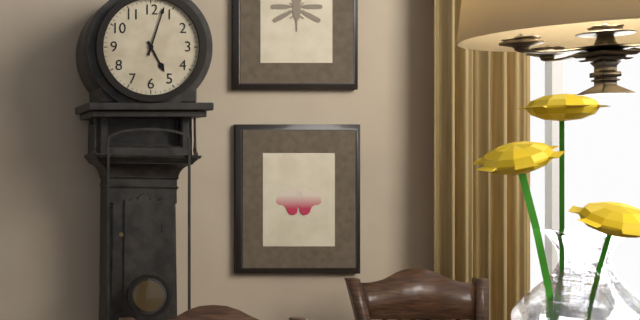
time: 5:03
